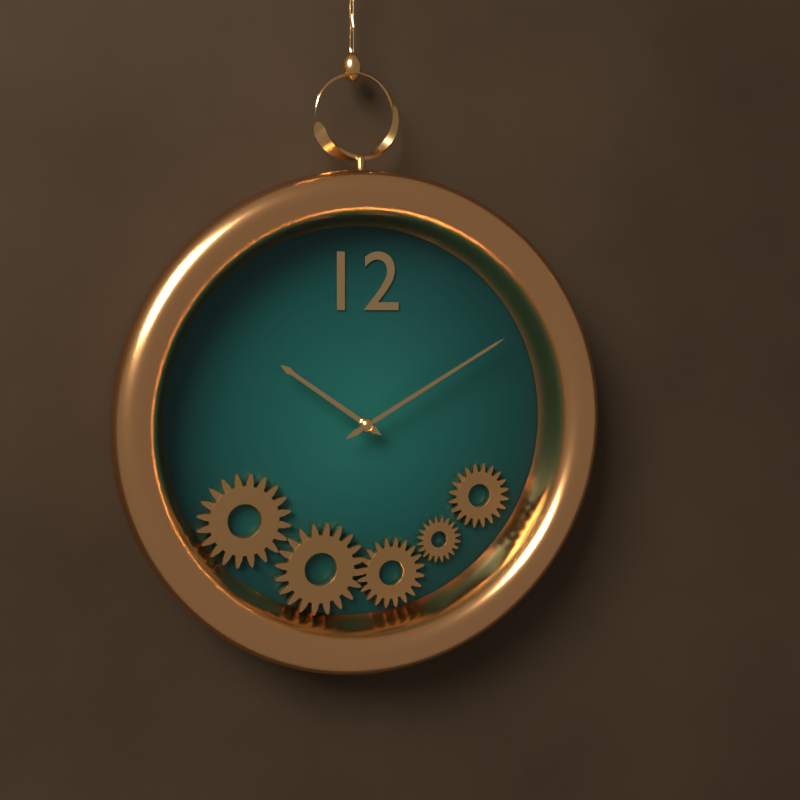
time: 10:10
